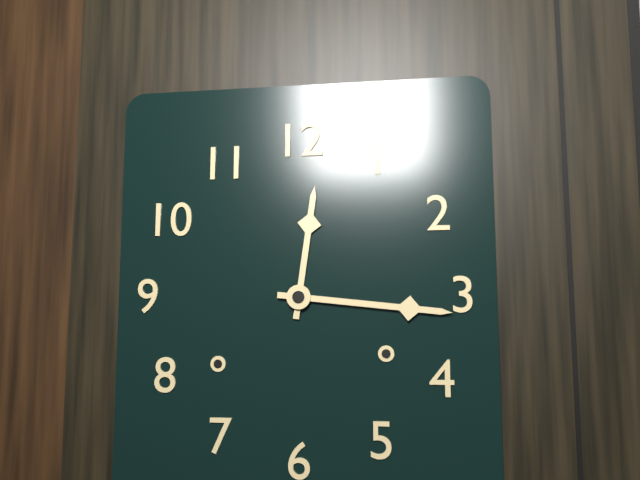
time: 12:16
